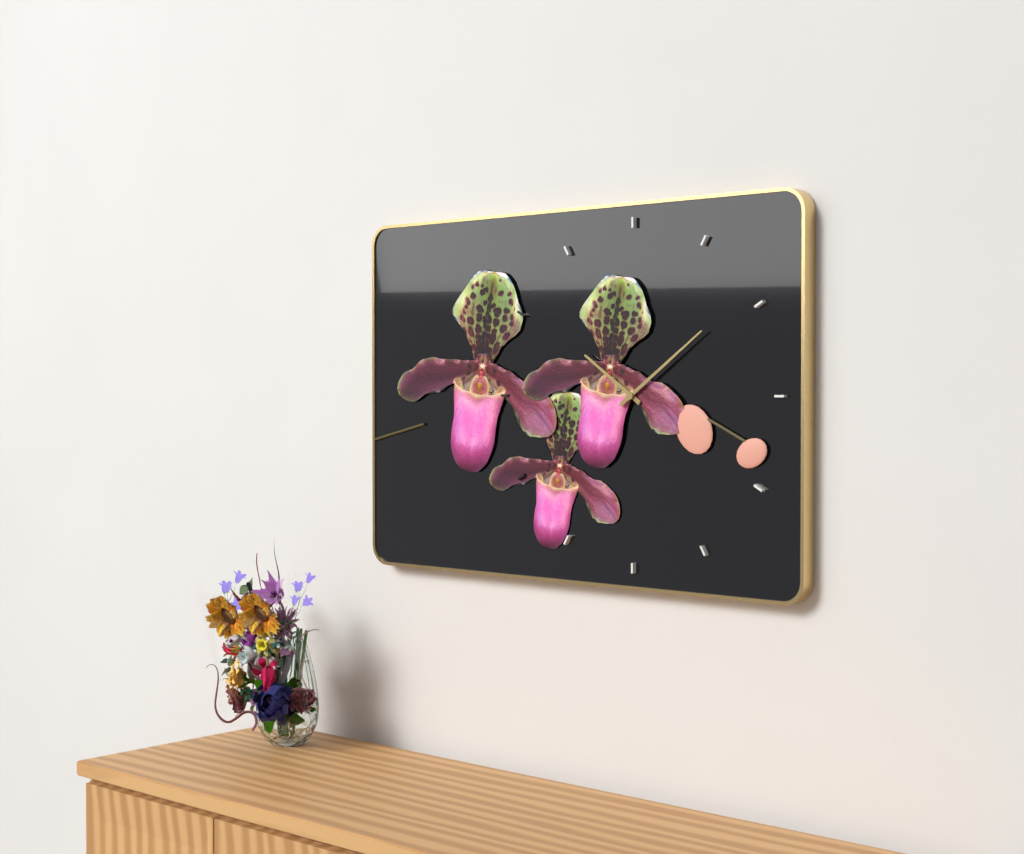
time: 10:09
